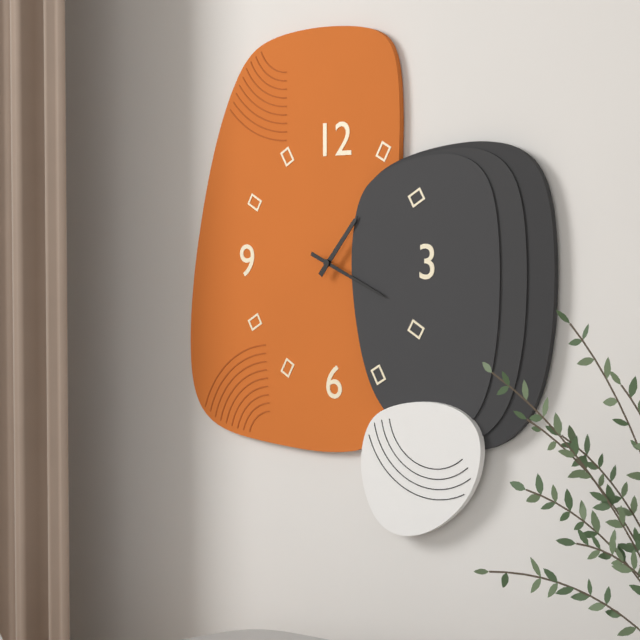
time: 1:19
